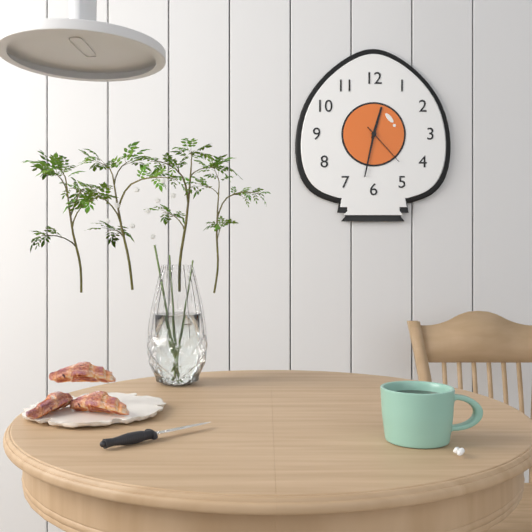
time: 12:32
